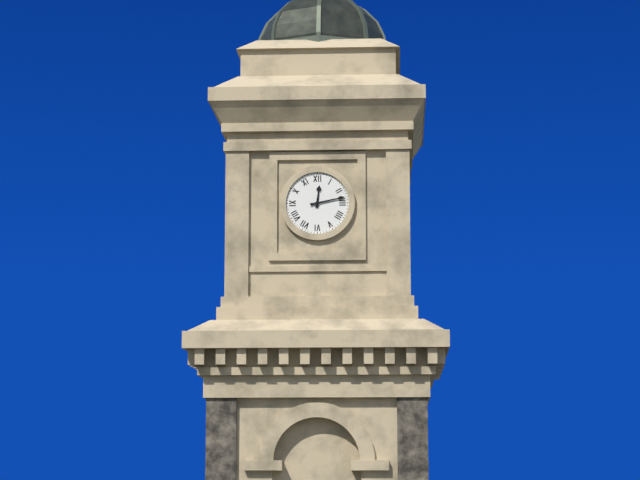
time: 12:13
